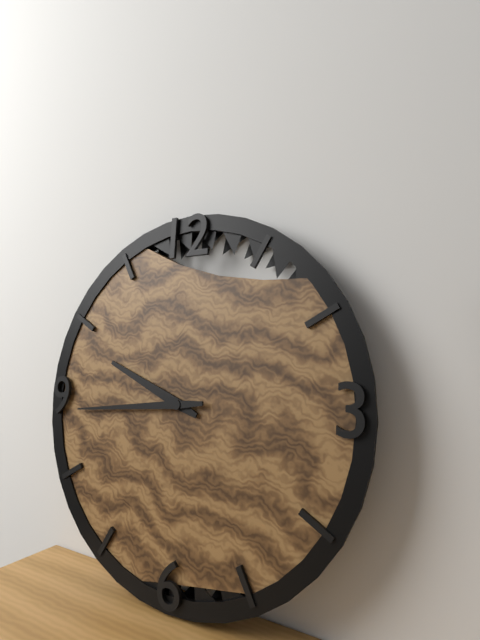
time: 9:44
